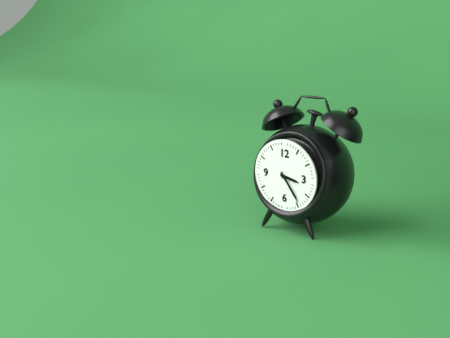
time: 3:24
